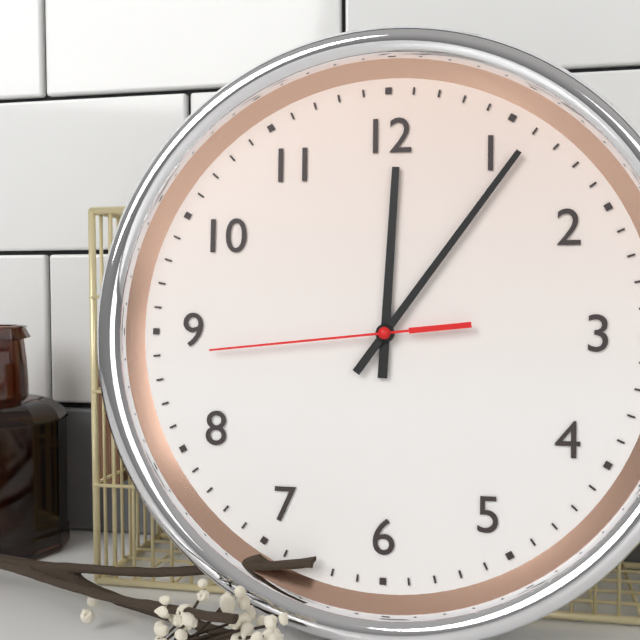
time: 12:06:44
